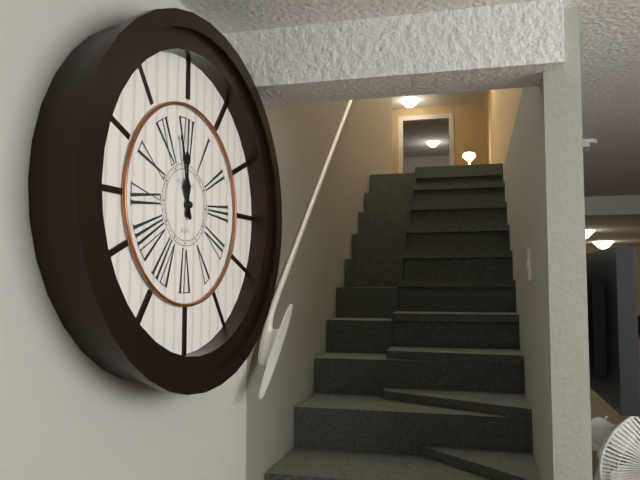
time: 11:58
